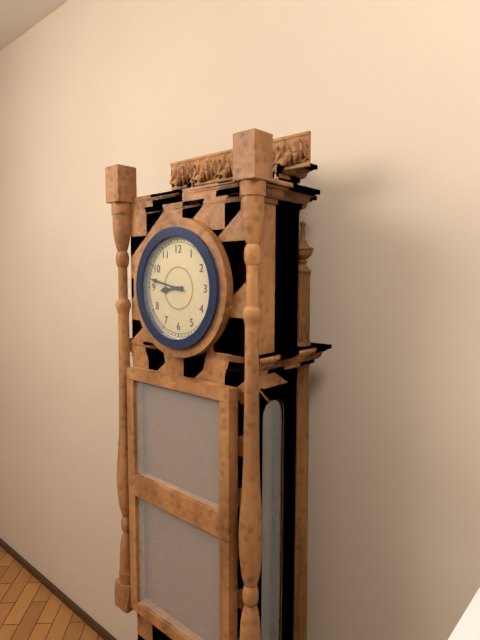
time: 8:47
